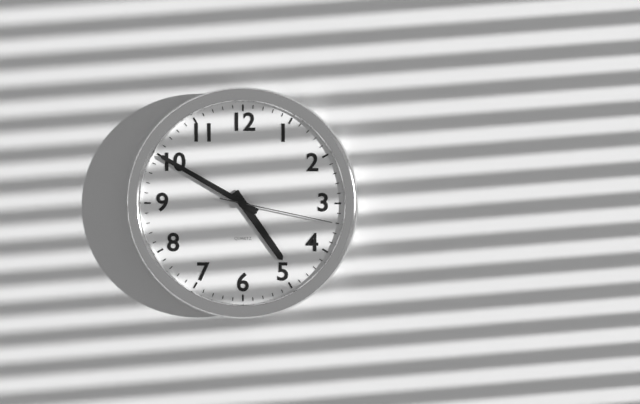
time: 4:50:17
